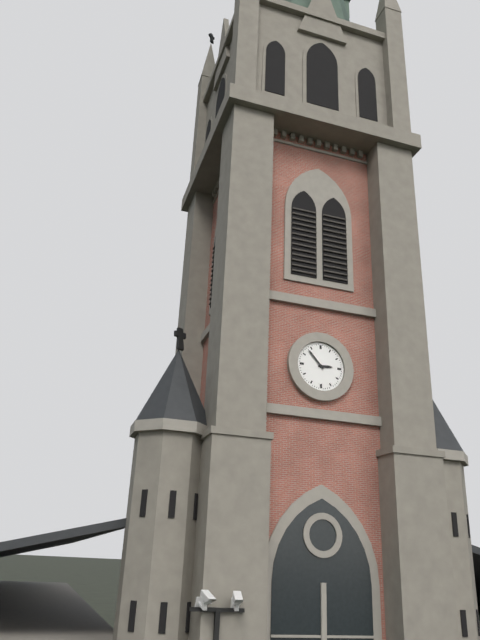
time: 2:53
